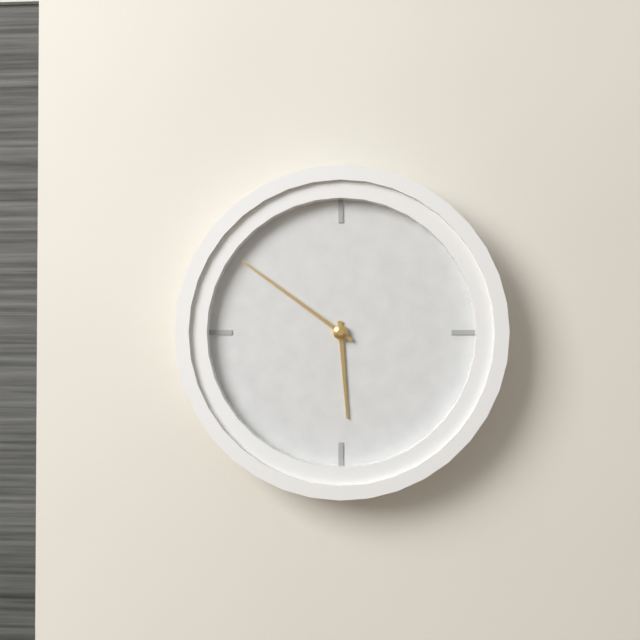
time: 5:51
